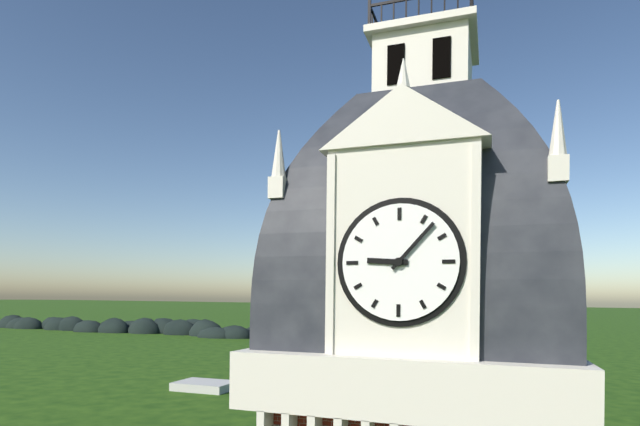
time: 9:07
